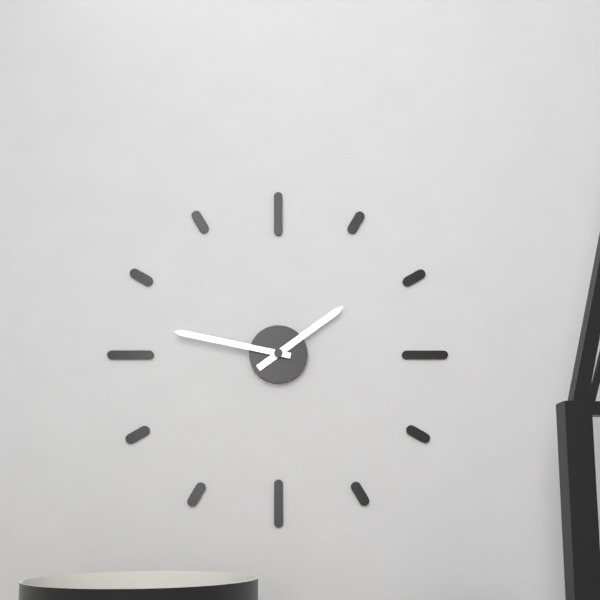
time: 1:47
